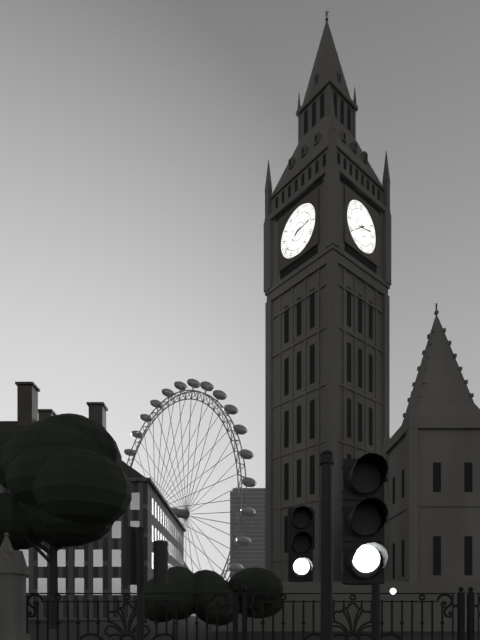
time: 2:39
